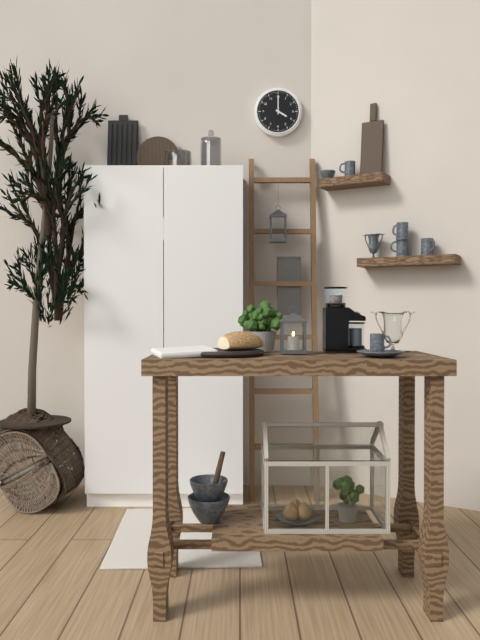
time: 4:00
